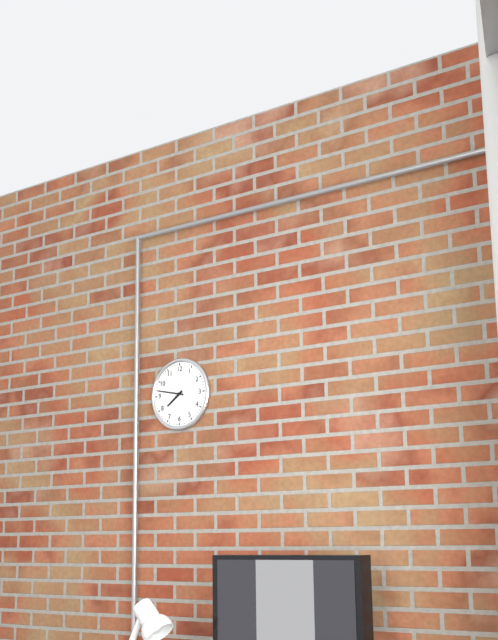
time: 7:47
